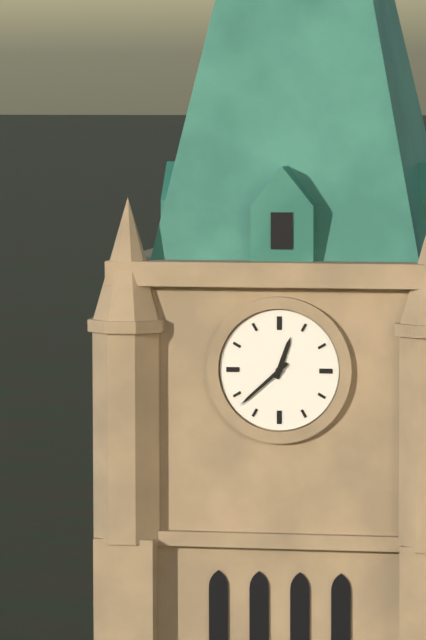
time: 12:38
